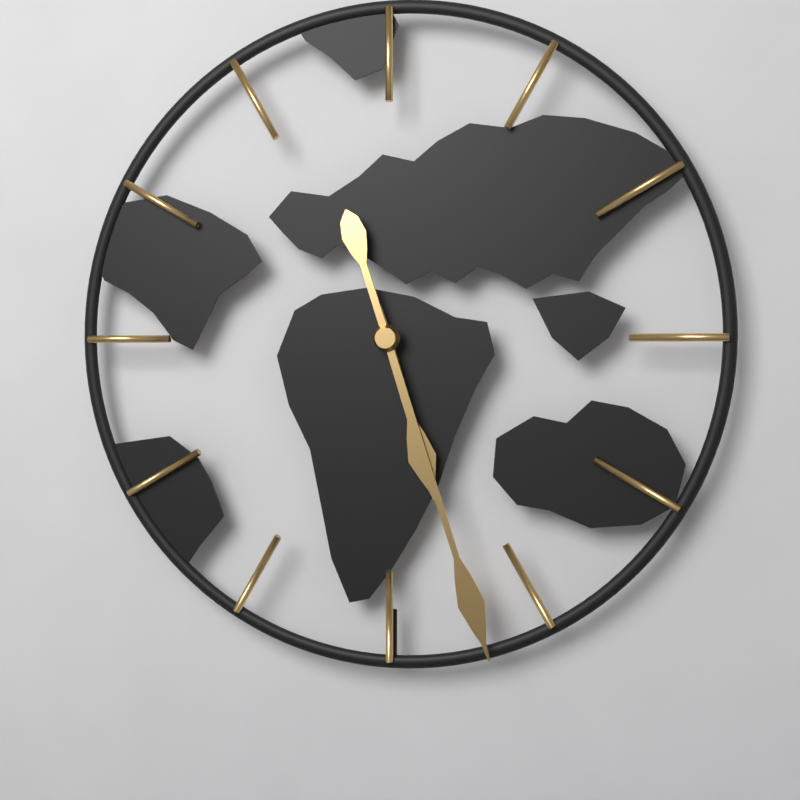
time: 5:27
